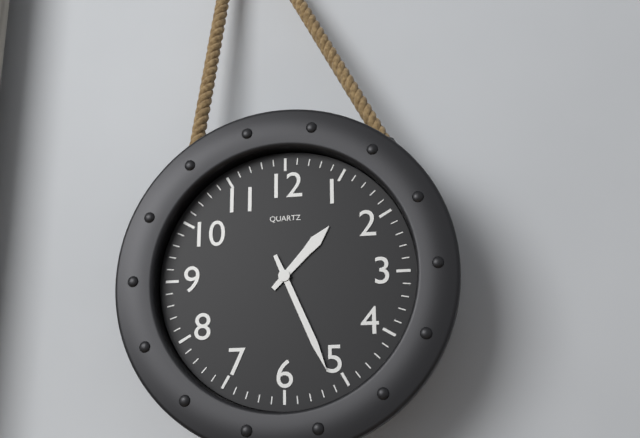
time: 1:26
